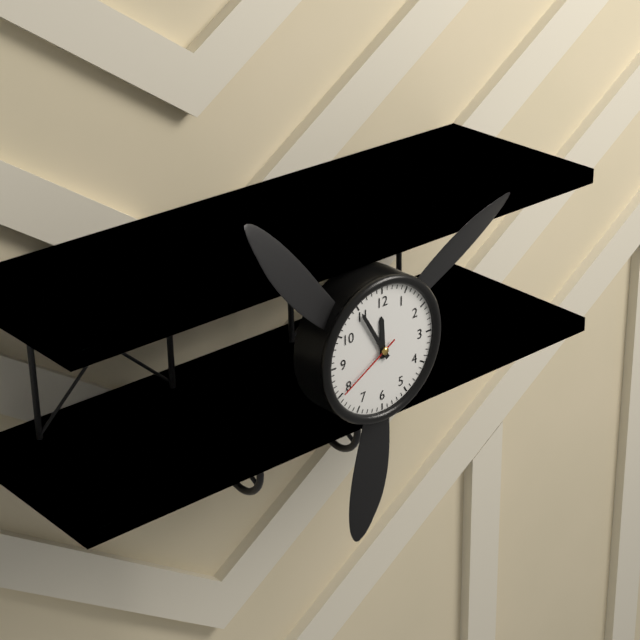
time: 11:55:40
